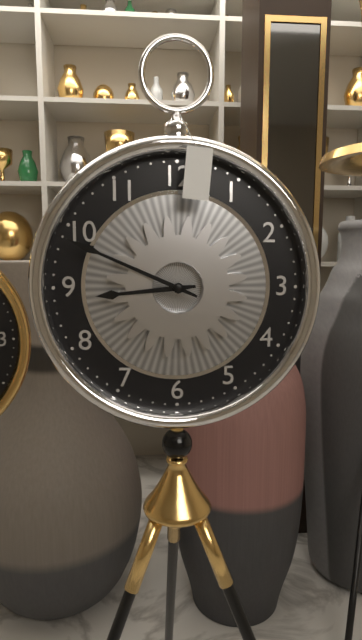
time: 8:49
